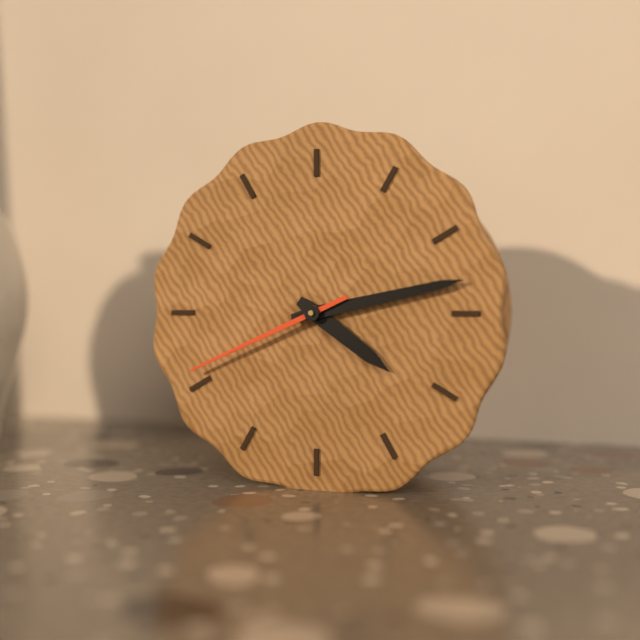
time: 4:13:41
